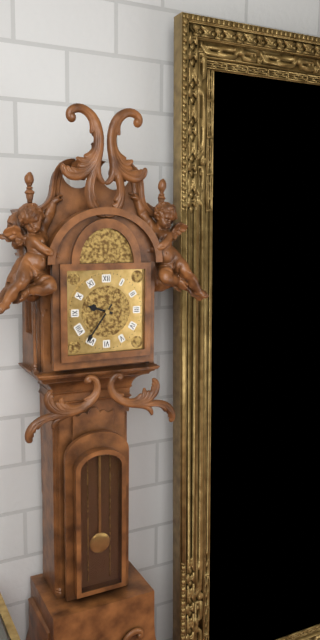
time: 9:36
